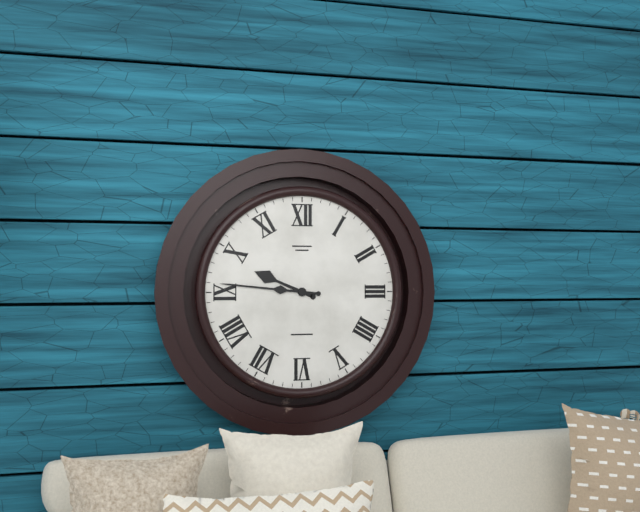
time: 9:46
